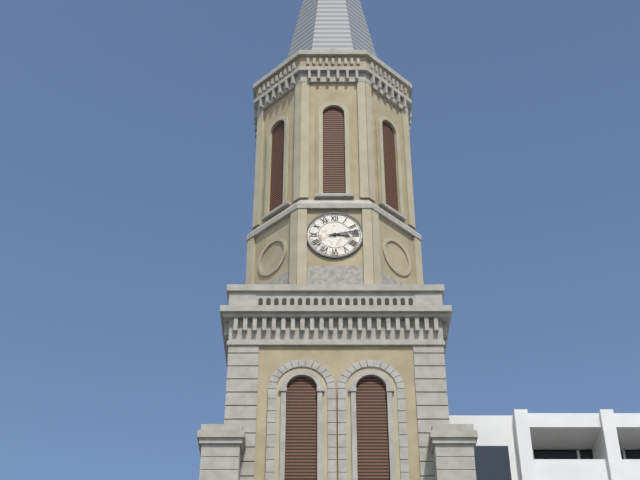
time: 3:13
